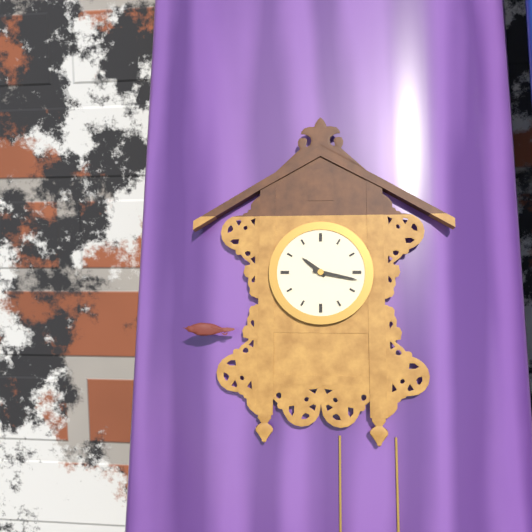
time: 10:17
